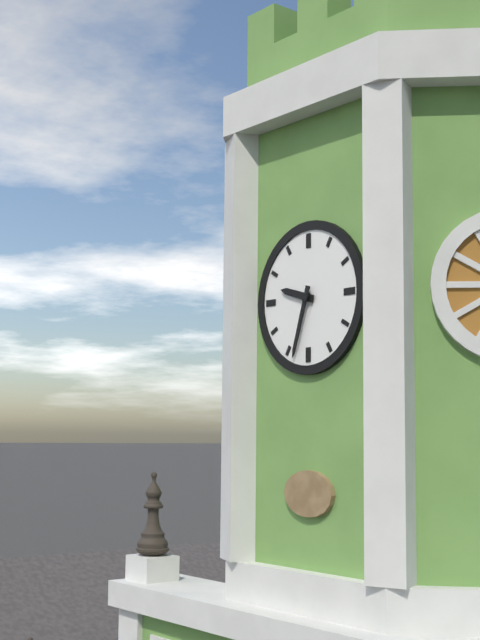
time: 9:33
